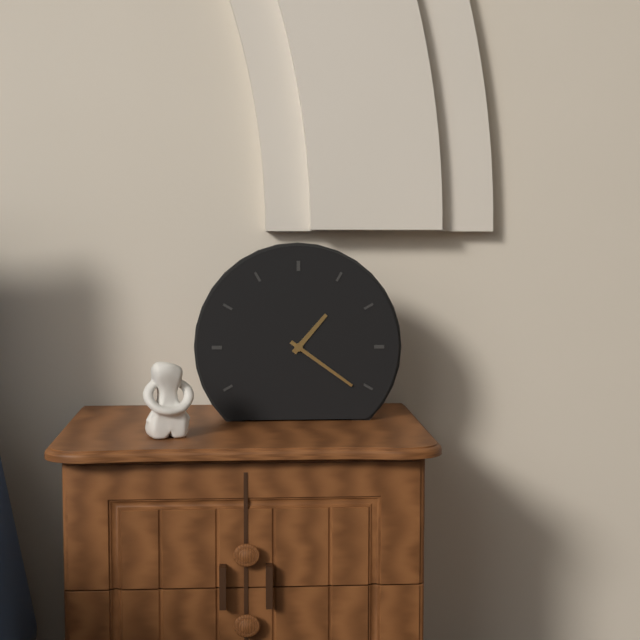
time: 1:21
